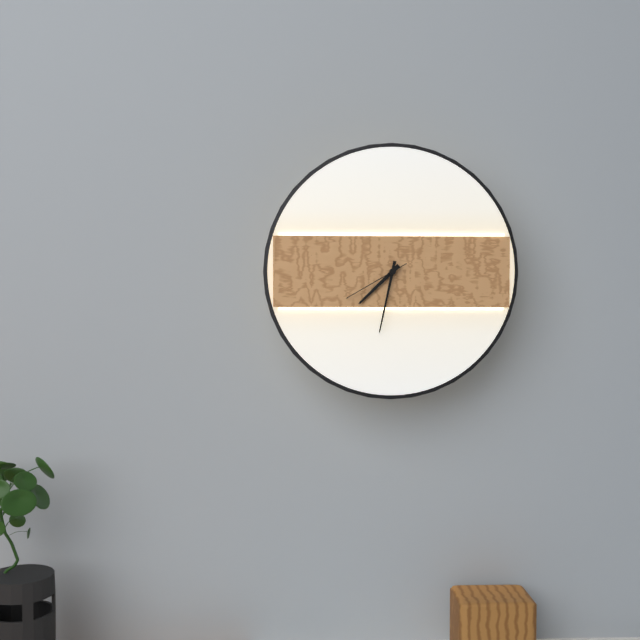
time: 7:32:40
